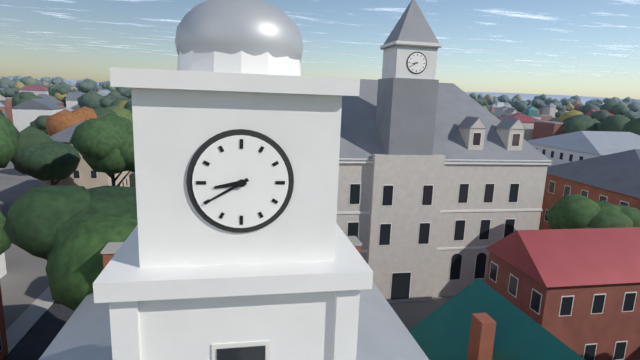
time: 8:40
